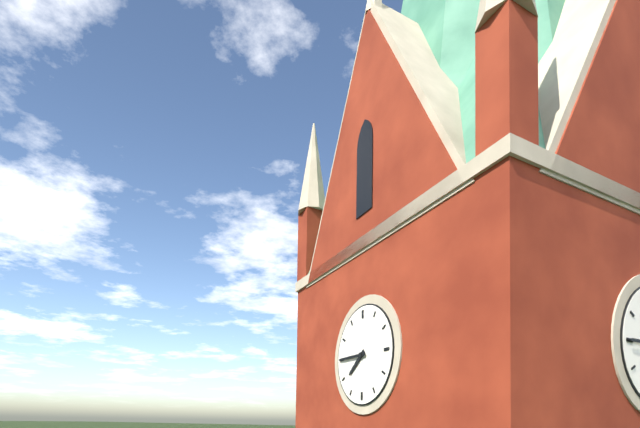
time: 7:45
